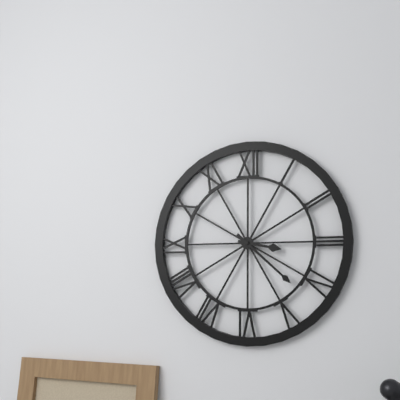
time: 3:22
